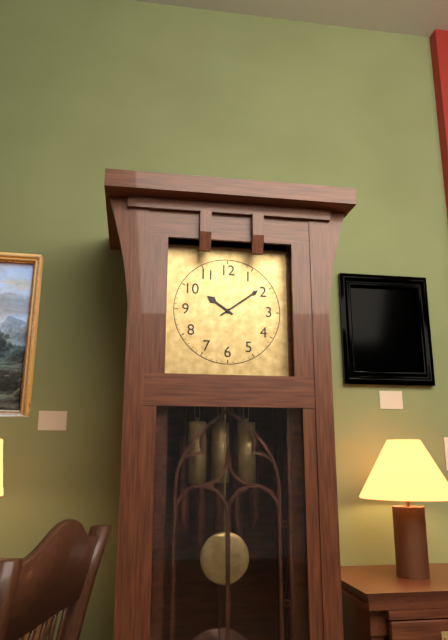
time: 10:09
